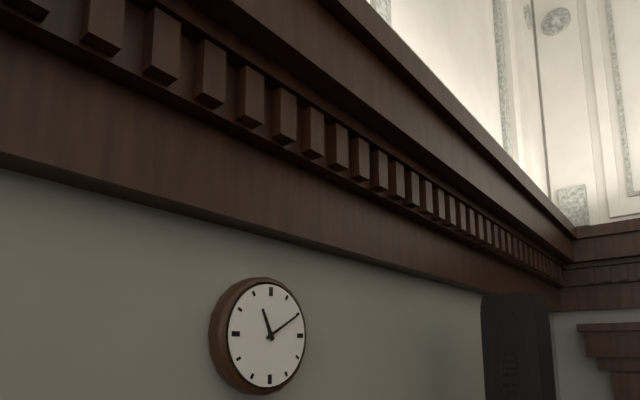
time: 11:10
